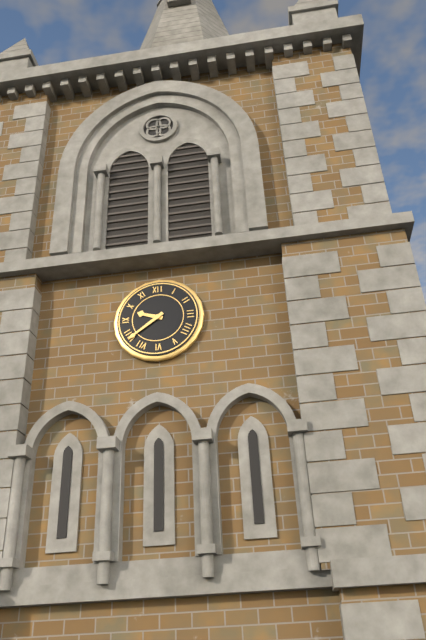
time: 9:39
